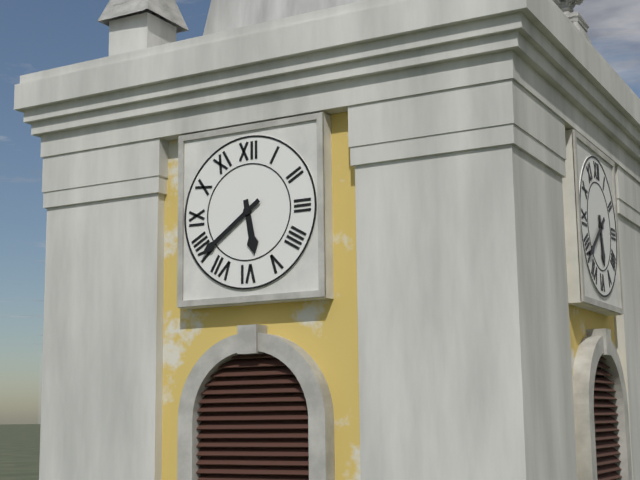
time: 5:39
